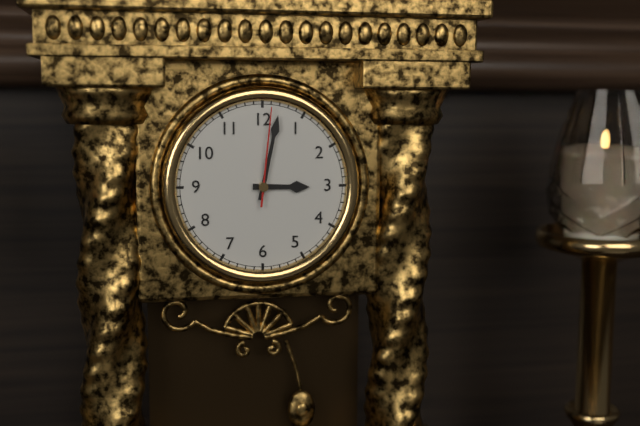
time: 3:02:01
